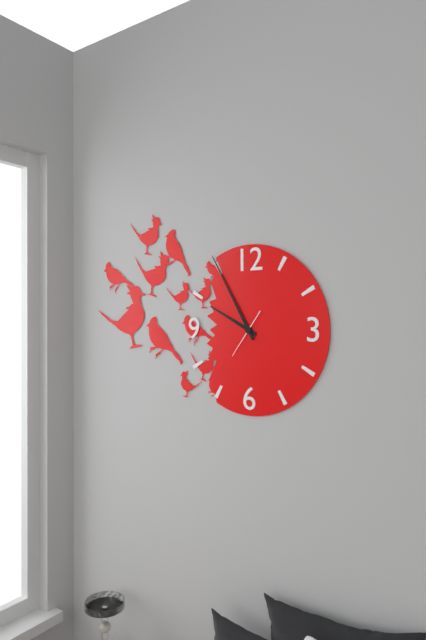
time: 9:55
